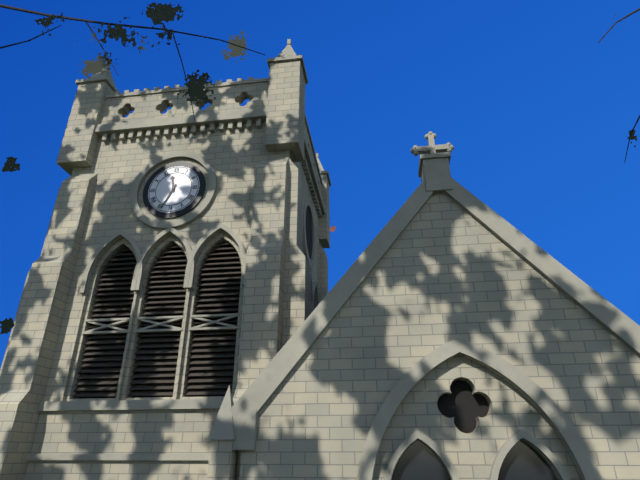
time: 11:34
